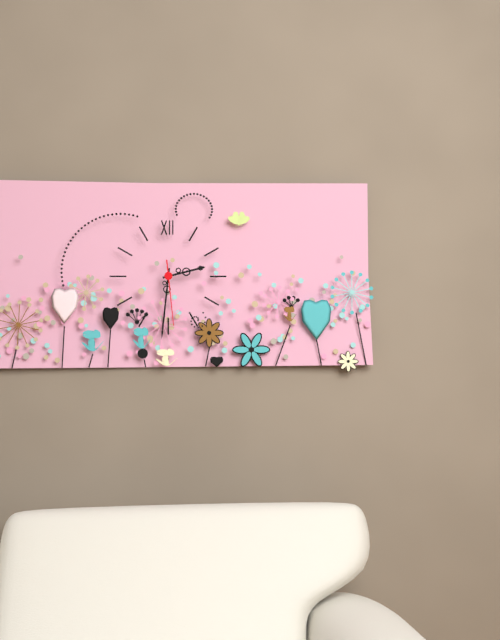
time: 2:31:29
